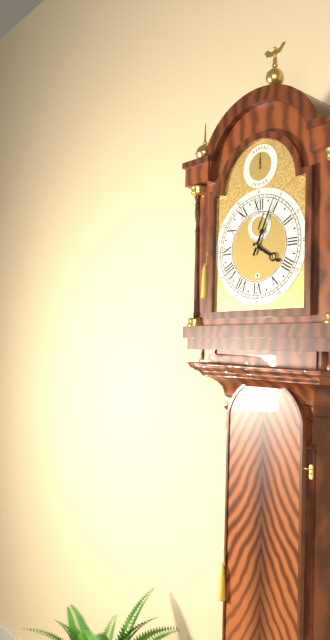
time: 4:04
